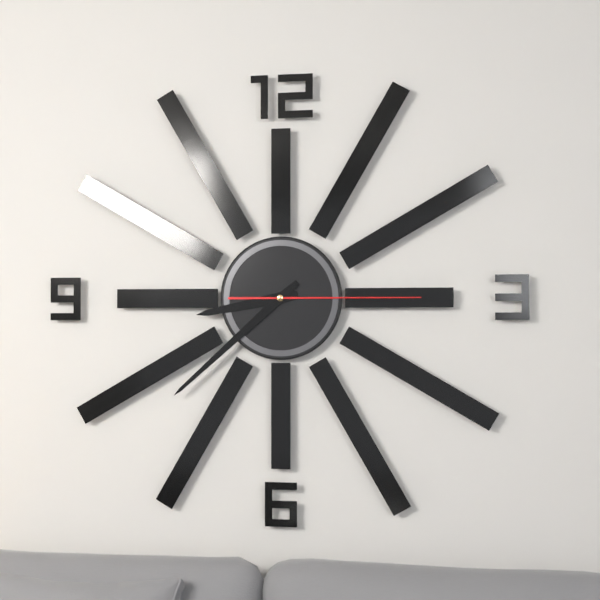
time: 8:38:15
